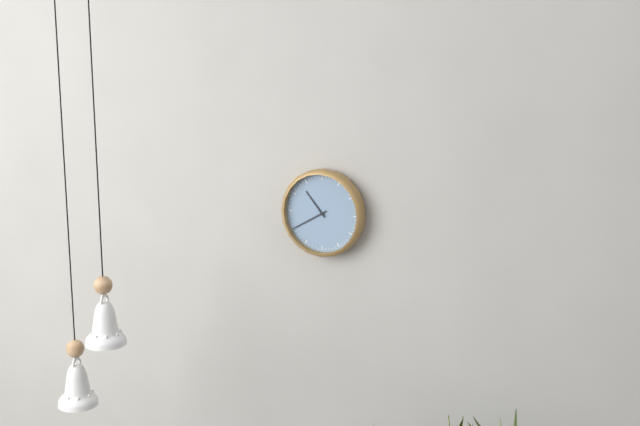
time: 10:40
